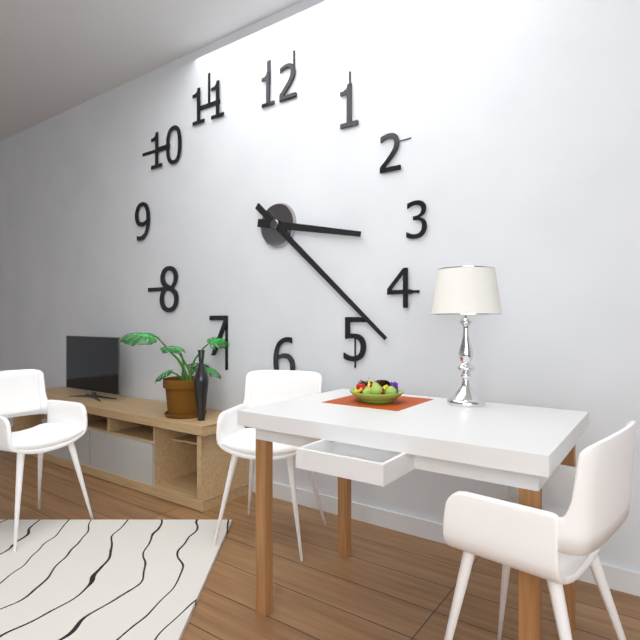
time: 3:22
